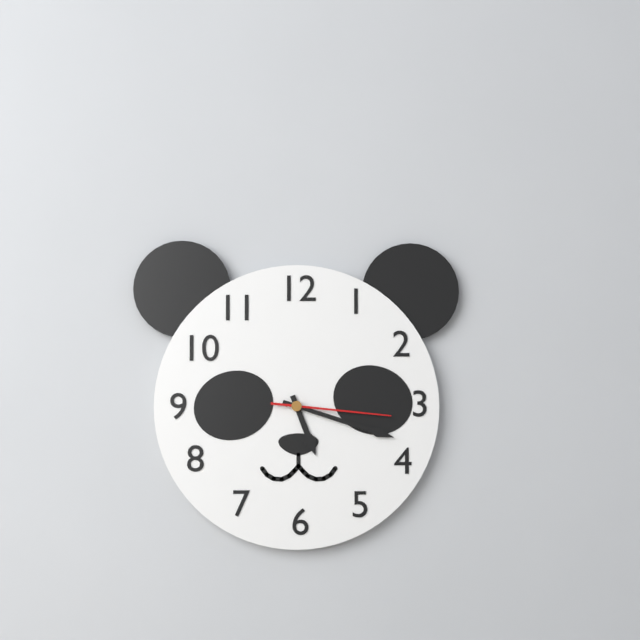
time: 5:18:16
